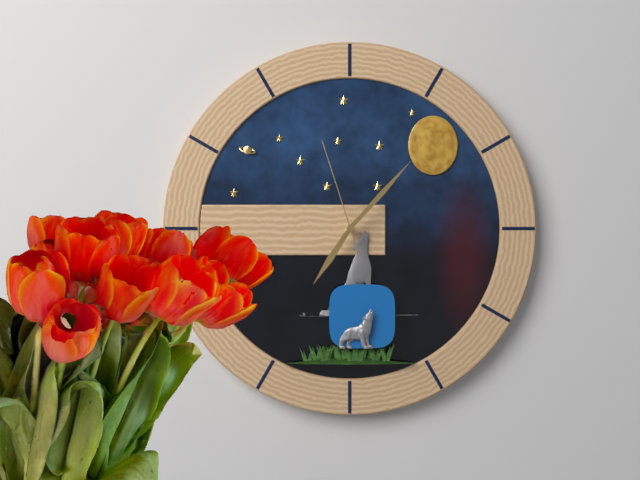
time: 7:07:57
